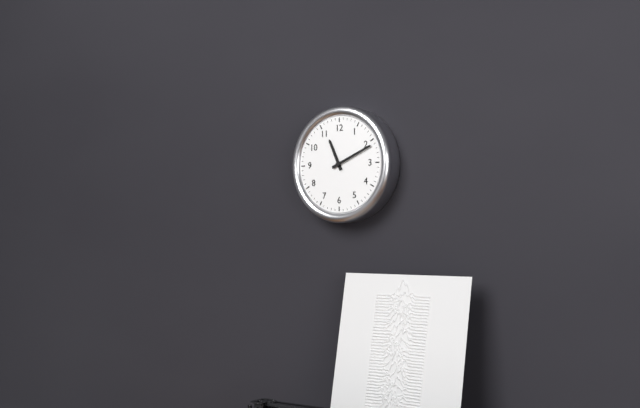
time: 11:11
